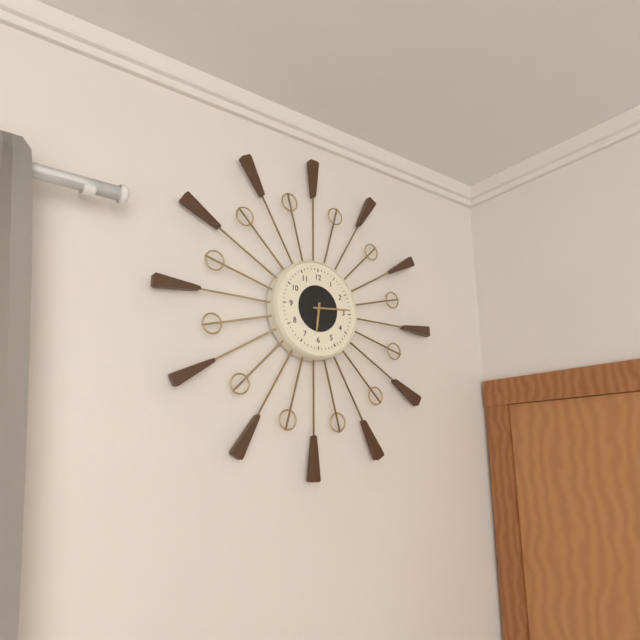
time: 6:14
